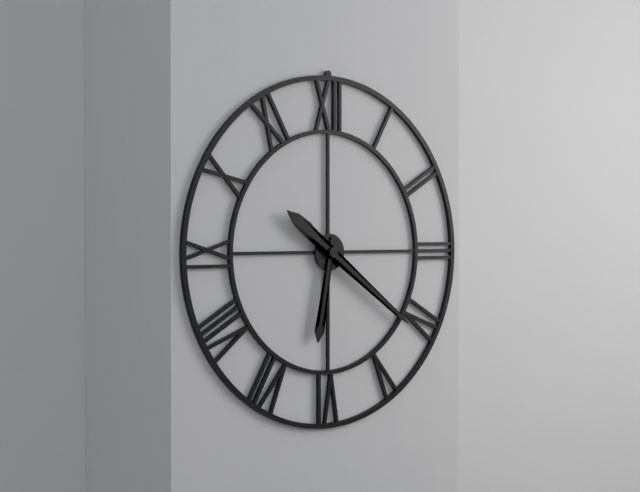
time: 6:21
